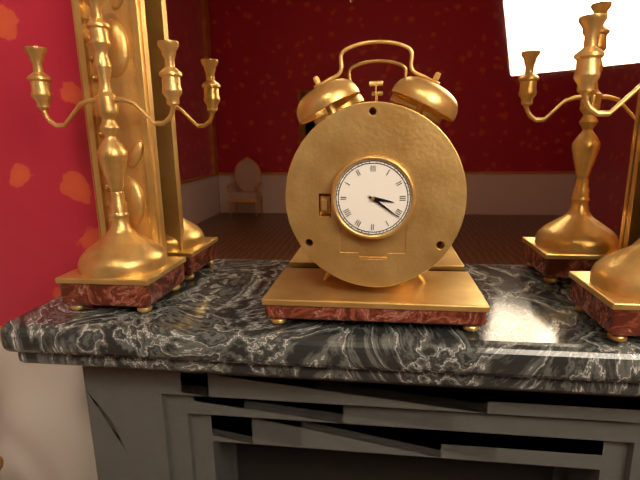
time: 3:21
